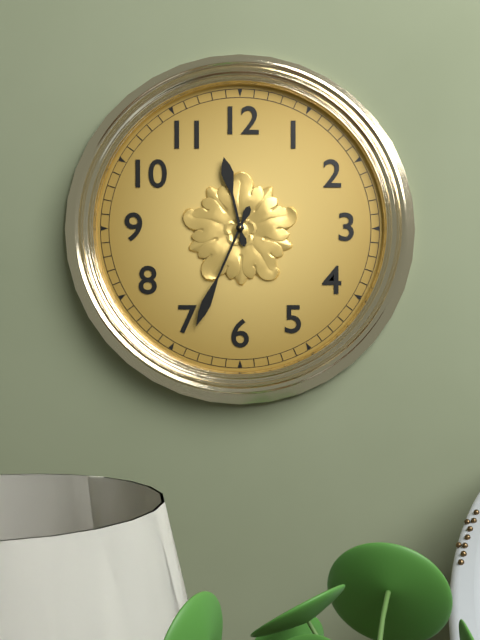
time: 11:34
